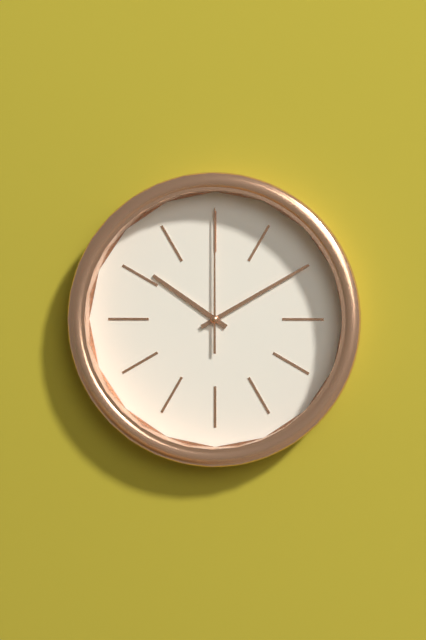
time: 10:10:00
